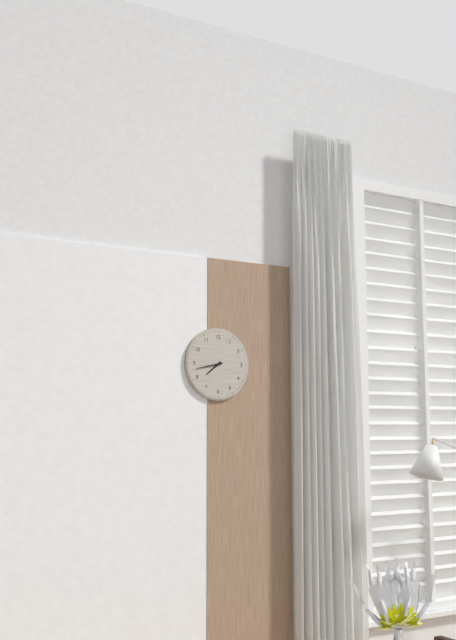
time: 7:43
